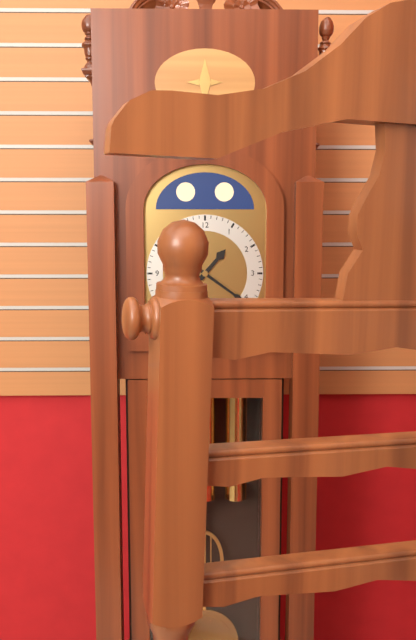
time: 1:21
